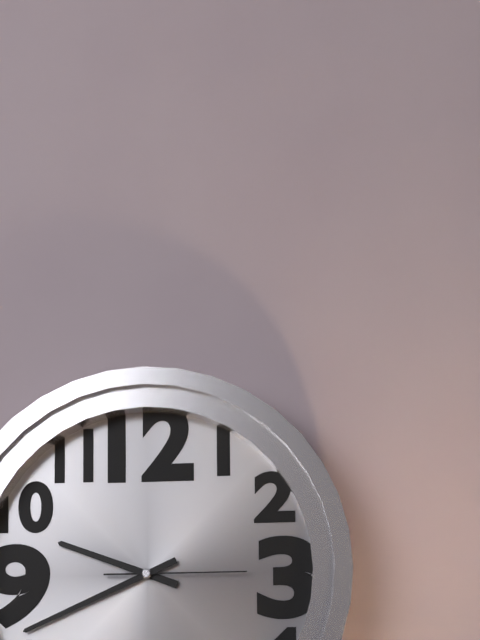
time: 9:41:15
